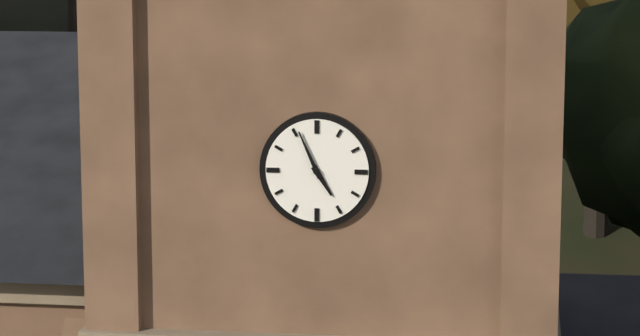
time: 4:56
